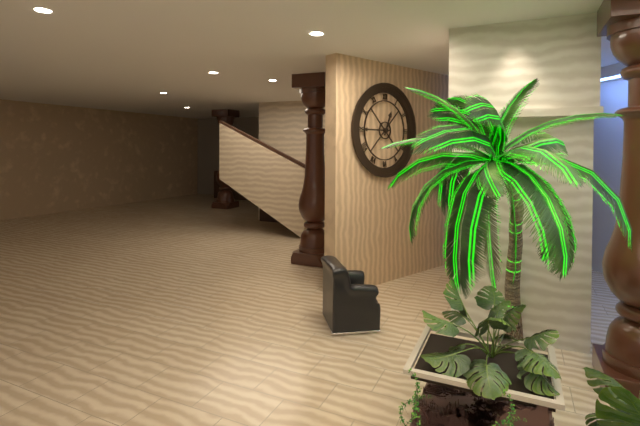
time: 12:45
